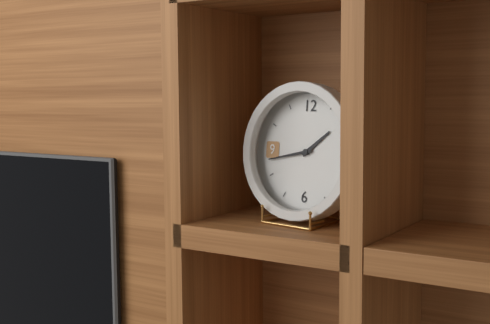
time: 1:43
